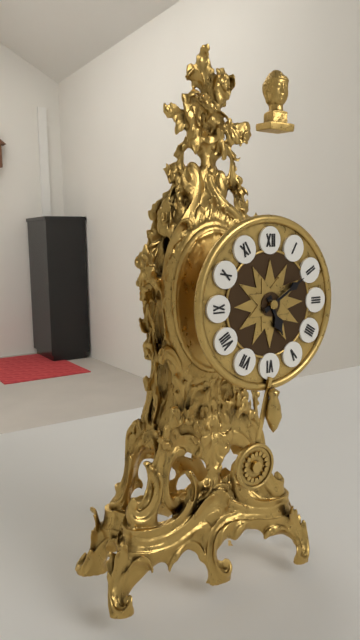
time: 5:10
